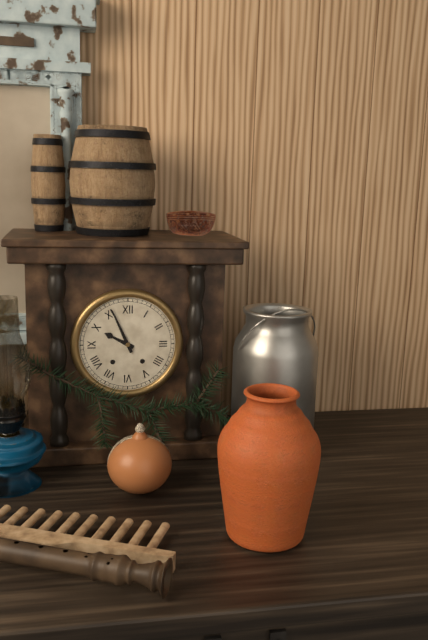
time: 9:56
